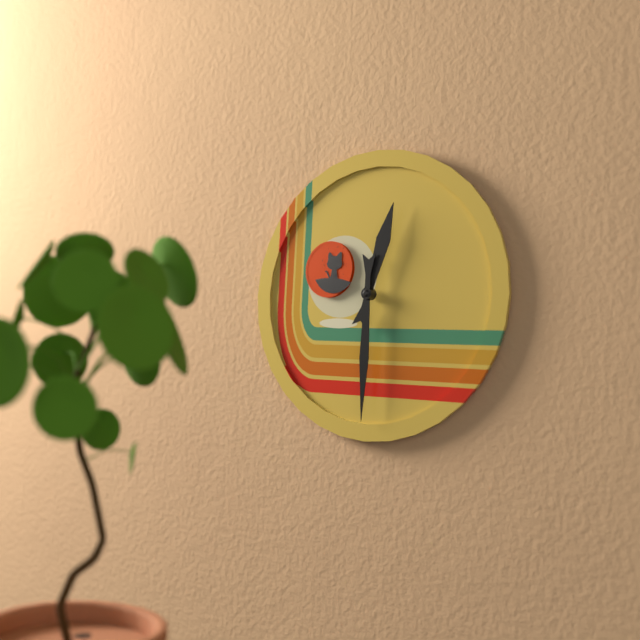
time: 12:30
